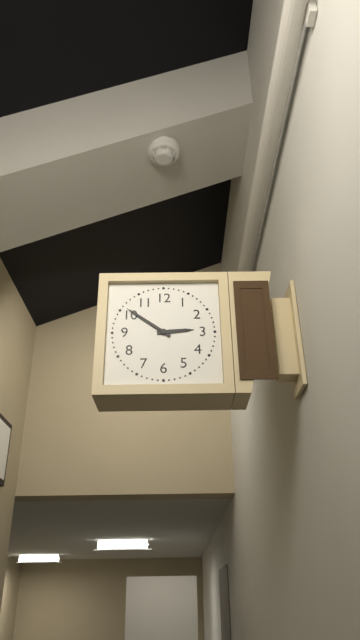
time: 2:51
